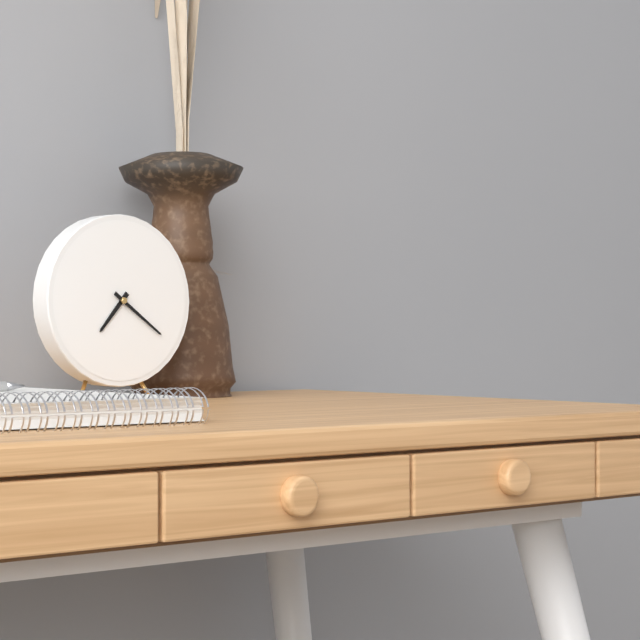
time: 7:21
